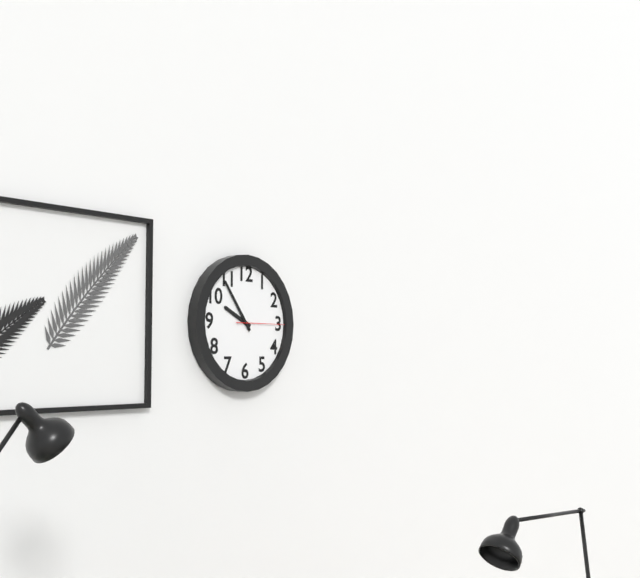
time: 9:54
